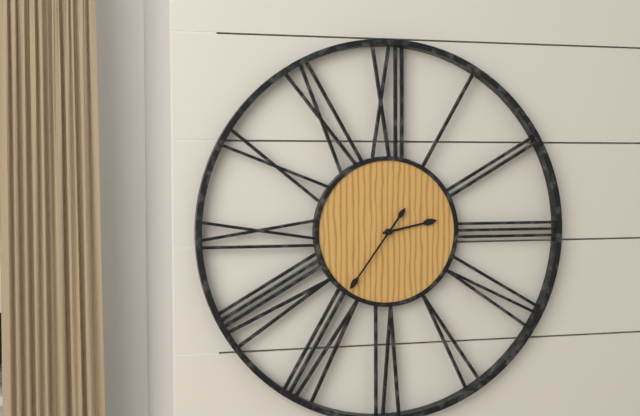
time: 2:36
